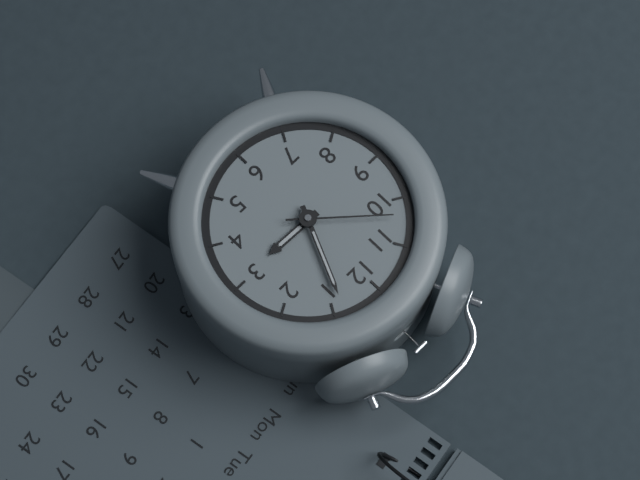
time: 3:04:52
